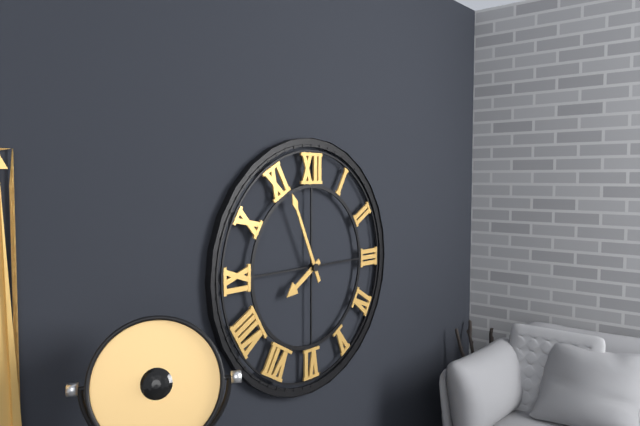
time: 7:56
